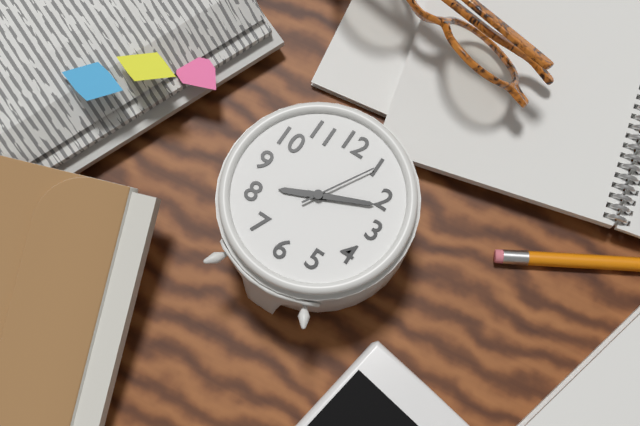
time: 8:11:05
